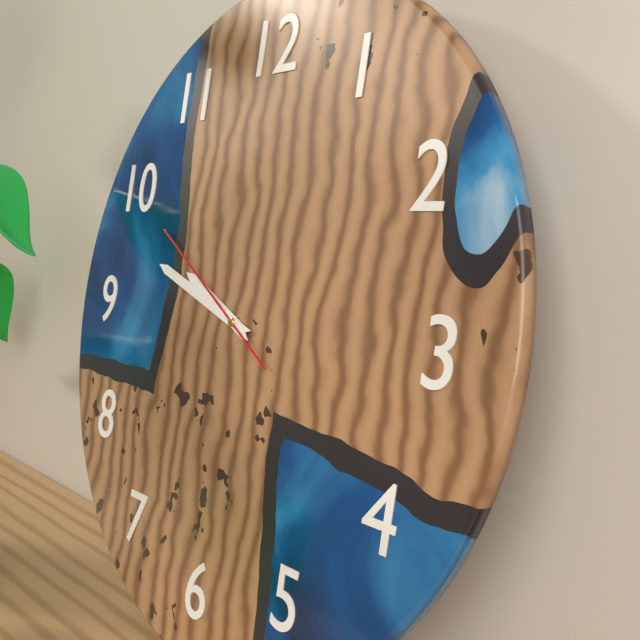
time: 9:48:50
